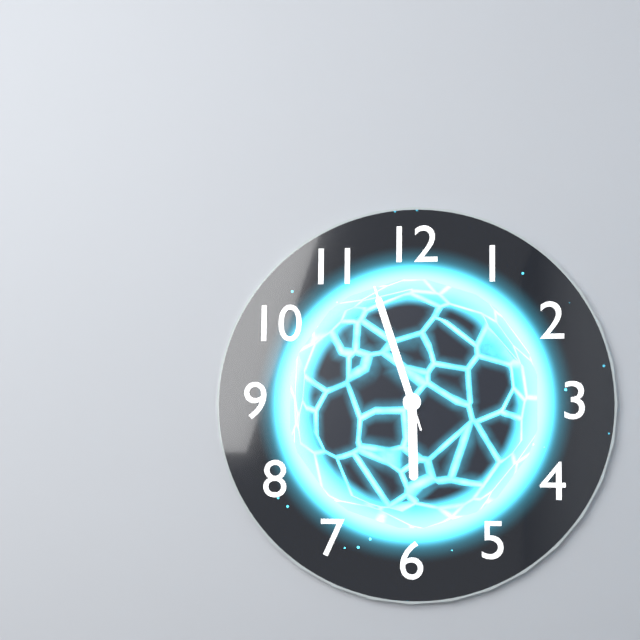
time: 5:57:57
